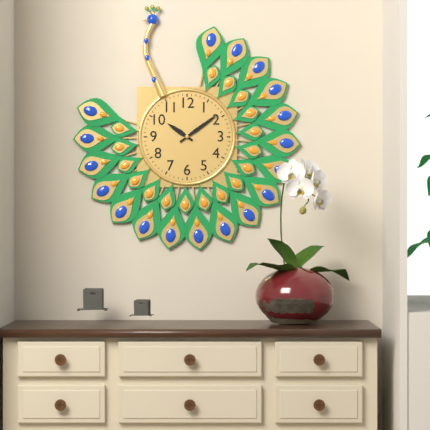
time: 10:09
